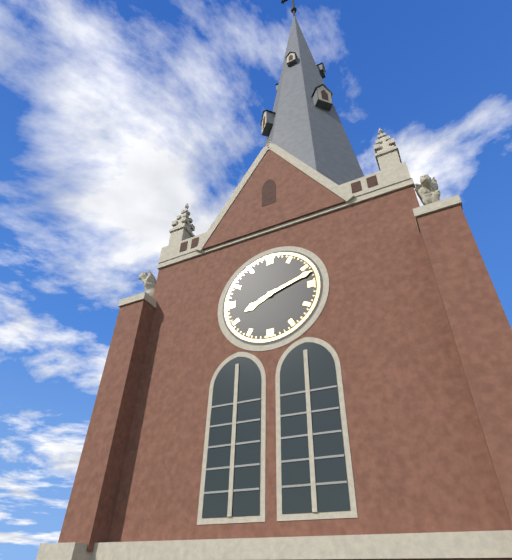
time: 8:12
